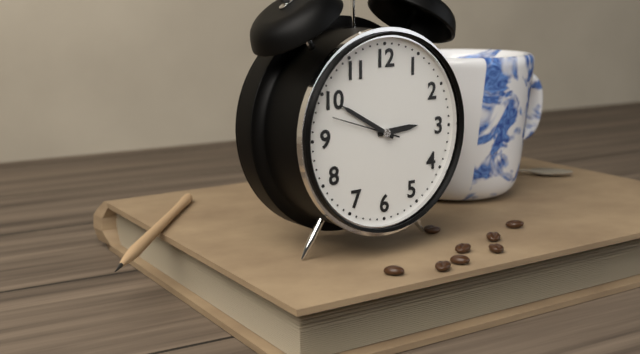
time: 2:50:48
